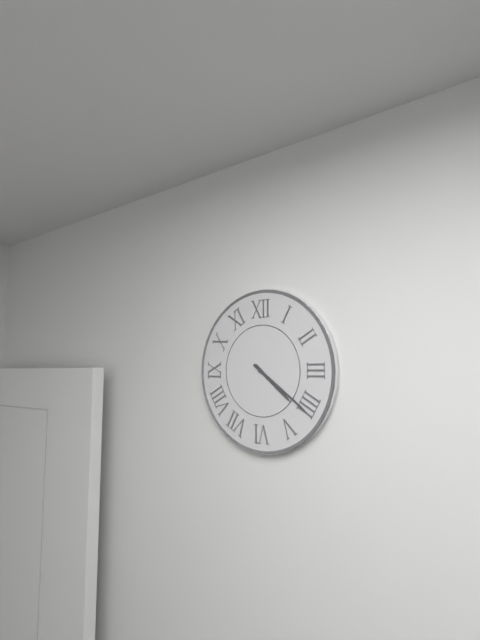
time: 4:21
